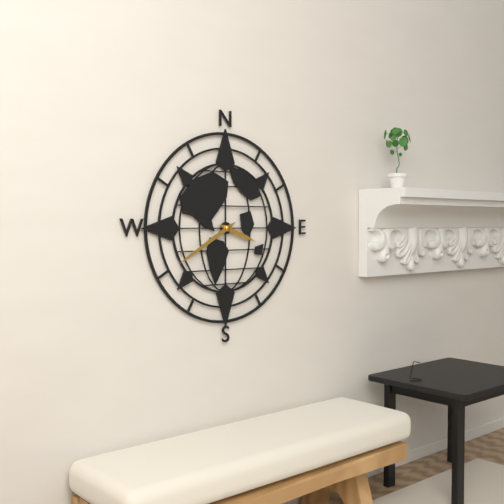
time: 3:40
